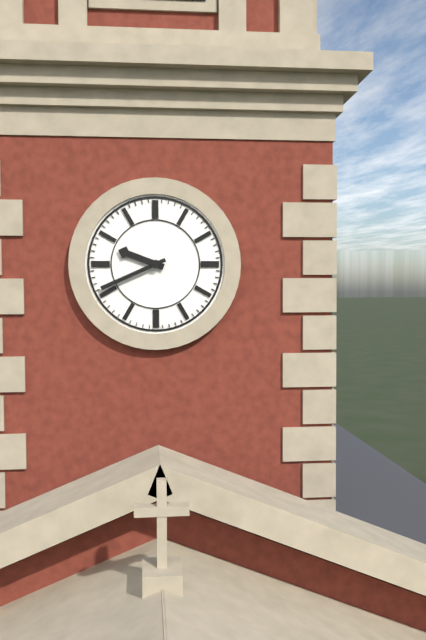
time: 9:41
